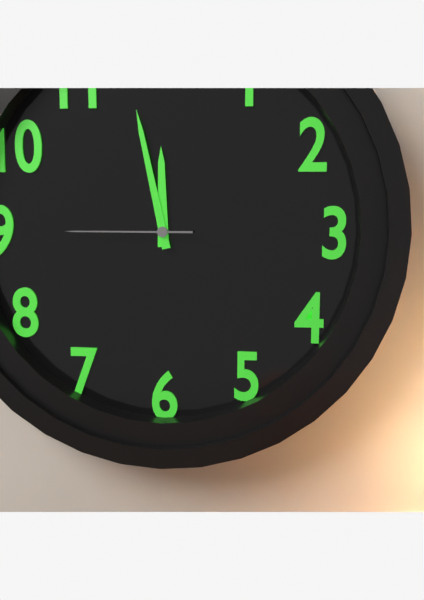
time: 11:58:45
